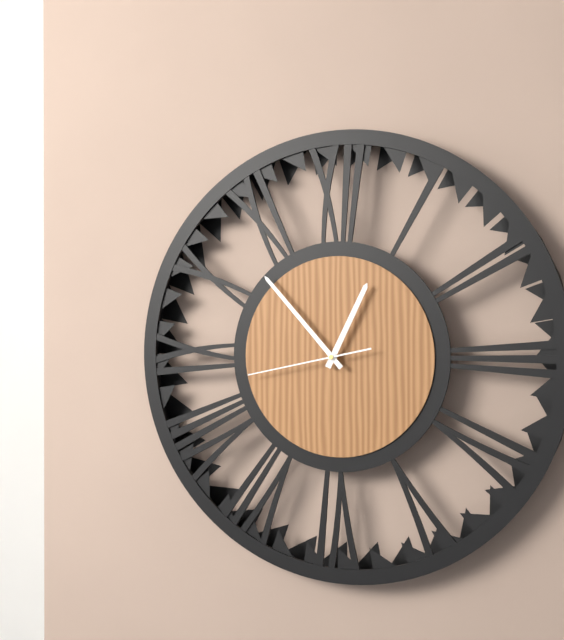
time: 12:53:43
